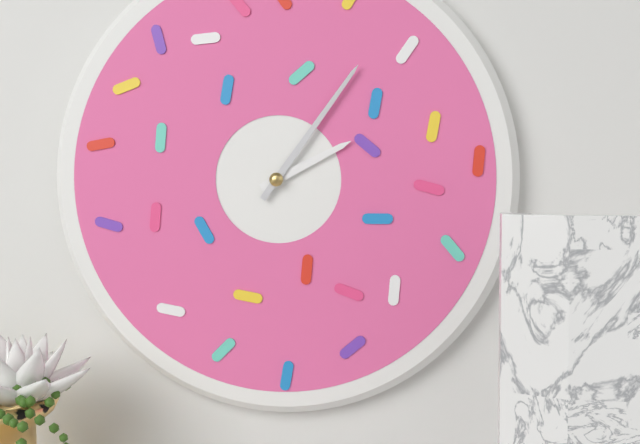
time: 2:06
